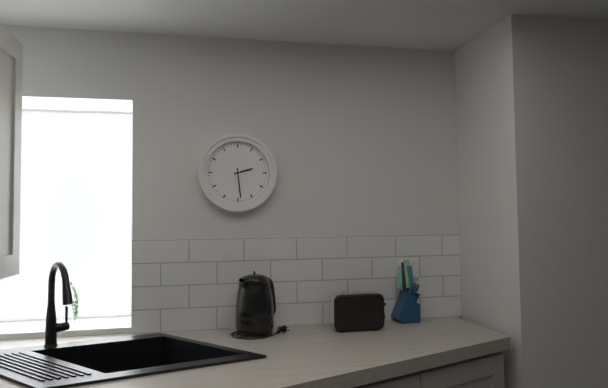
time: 2:29
